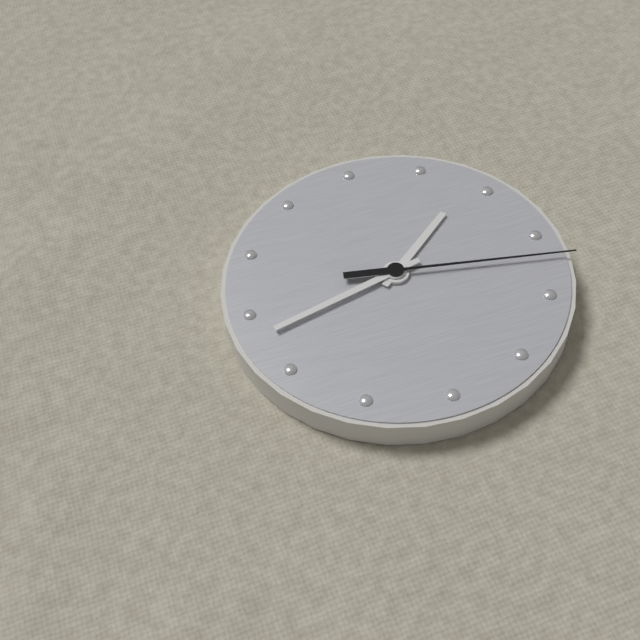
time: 1:43:17
